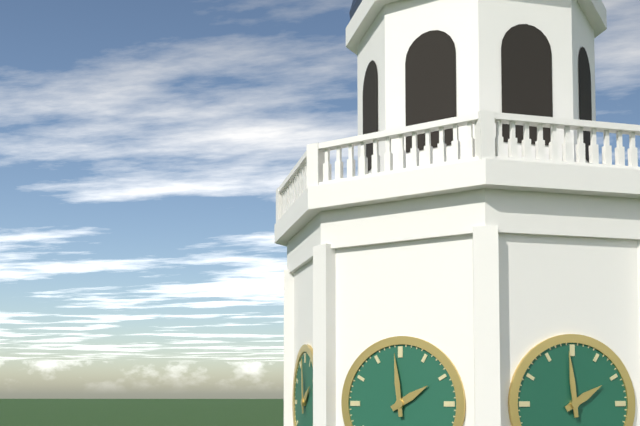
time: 1:59
